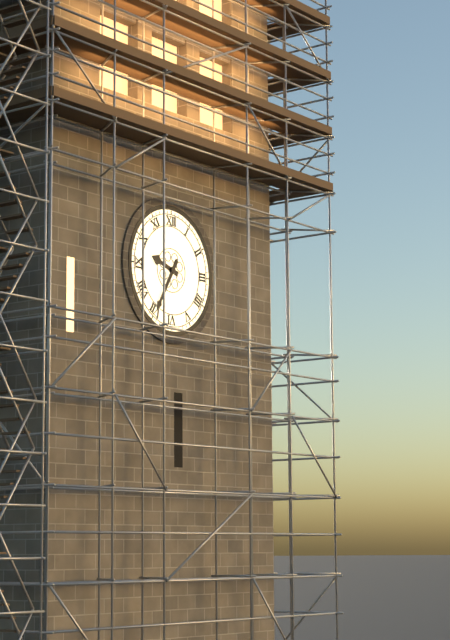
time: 9:35
